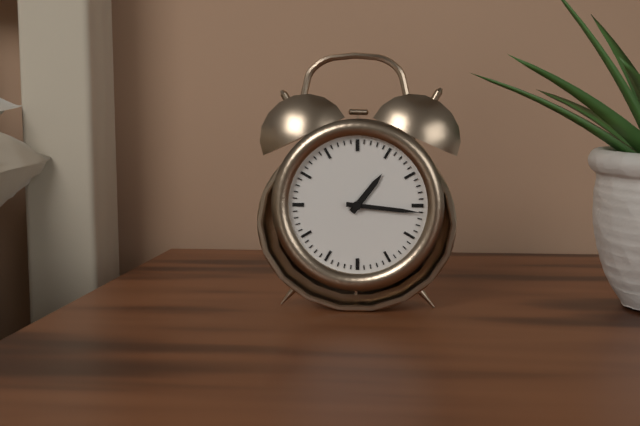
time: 1:16
